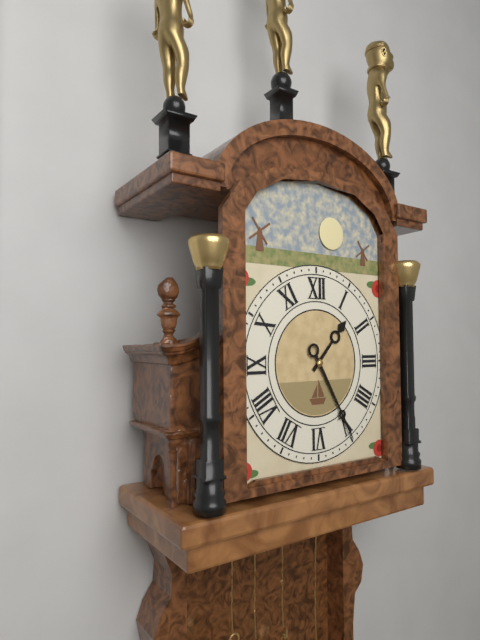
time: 1:25
